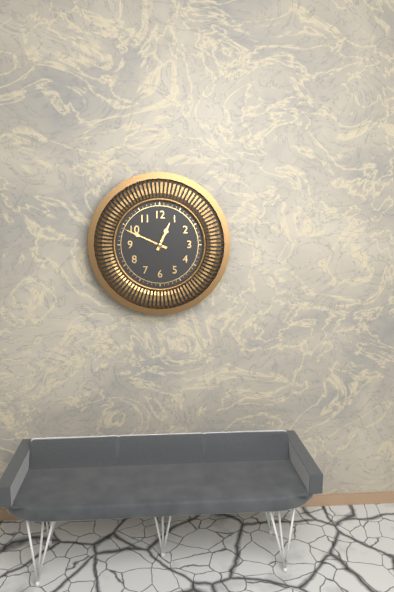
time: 12:49
